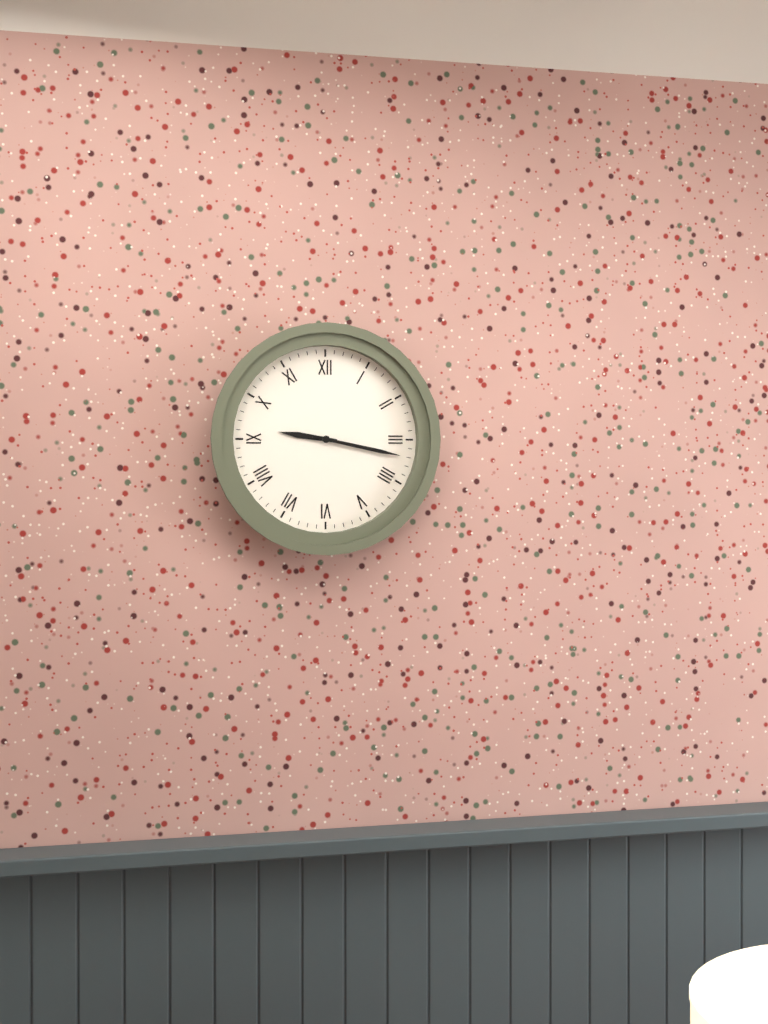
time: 9:17
